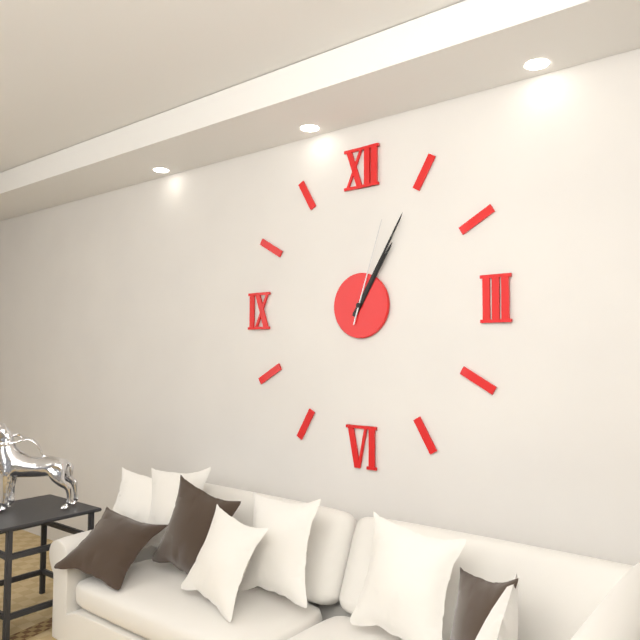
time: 1:05:03
